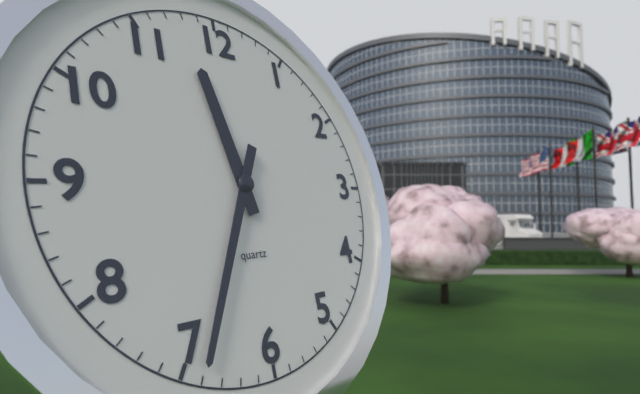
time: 11:34
